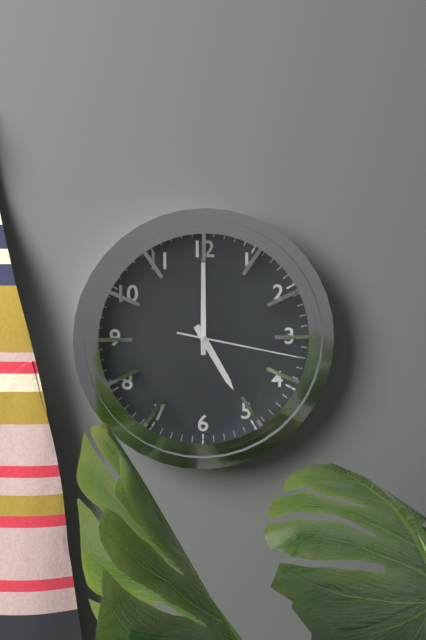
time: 5:00:17
